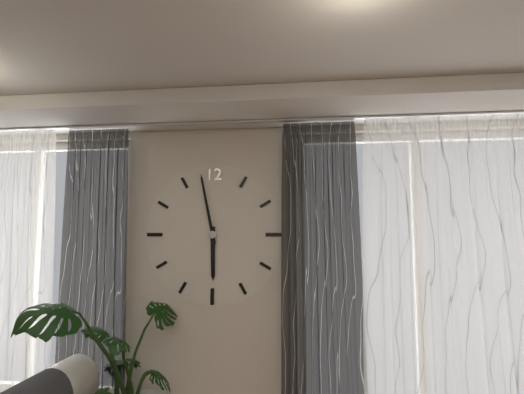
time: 5:58
